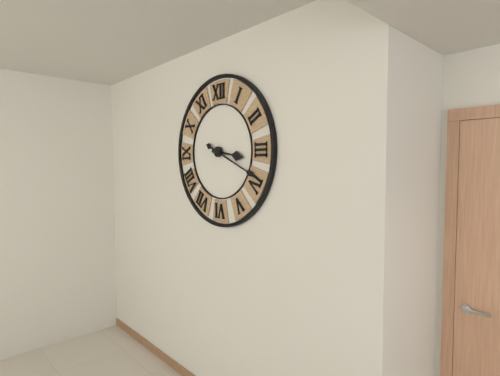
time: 3:19
